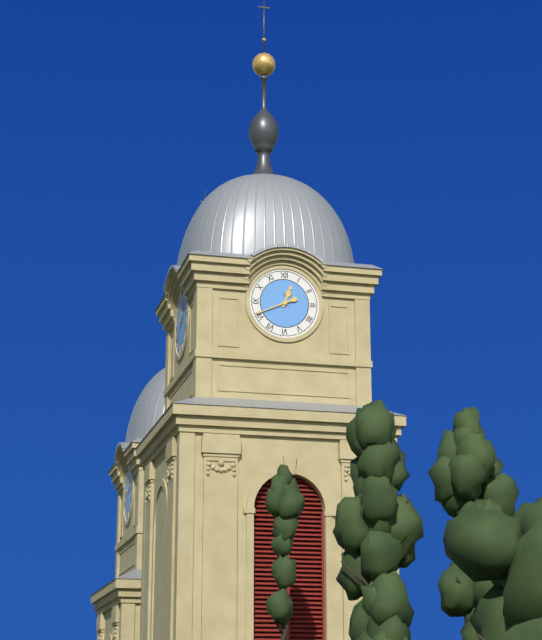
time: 12:41
